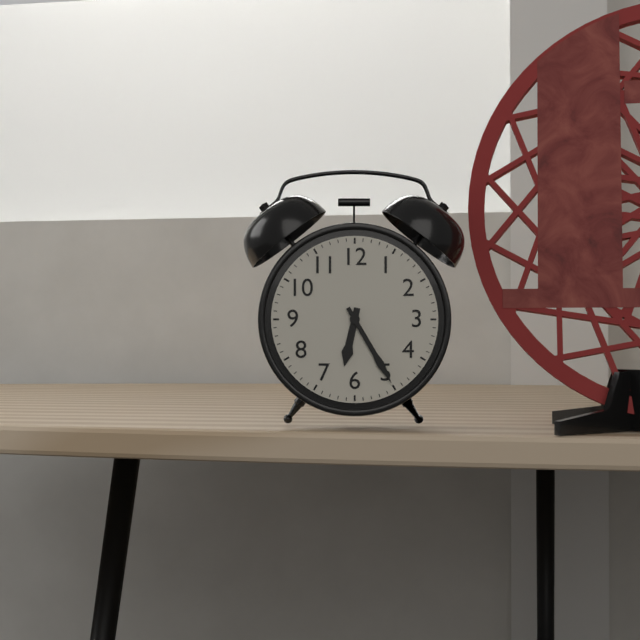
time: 6:25
